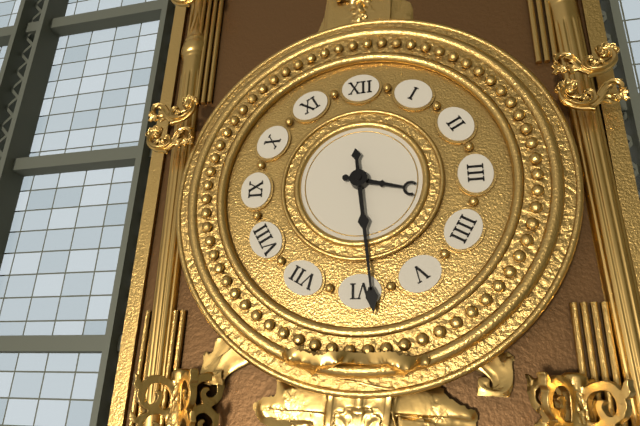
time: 3:29
